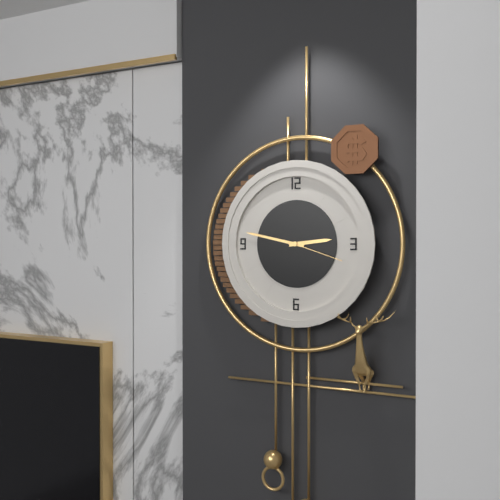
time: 2:47:18
